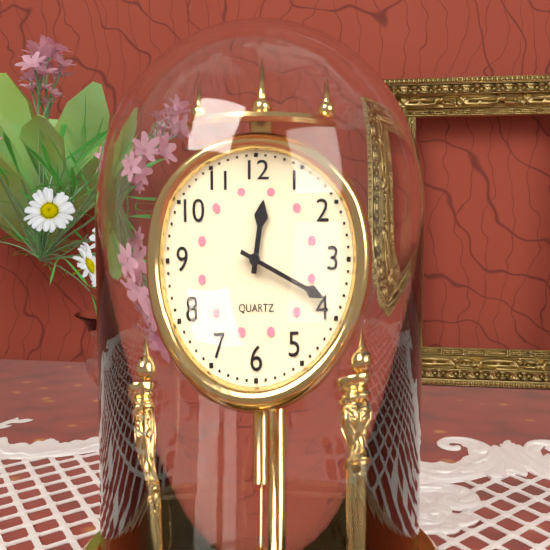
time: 12:19
